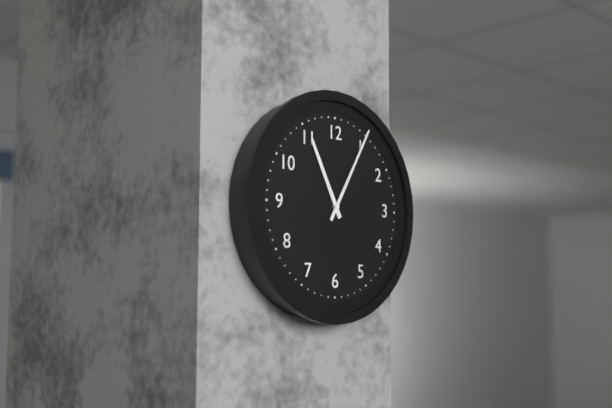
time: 11:05
